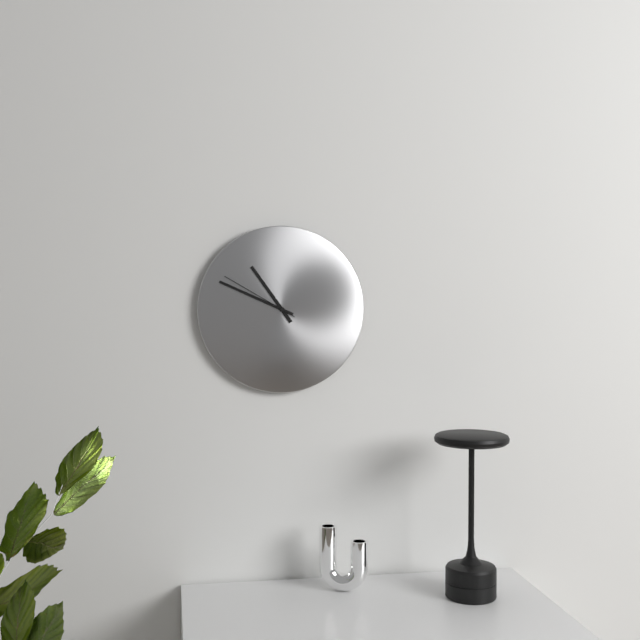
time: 10:49:50
